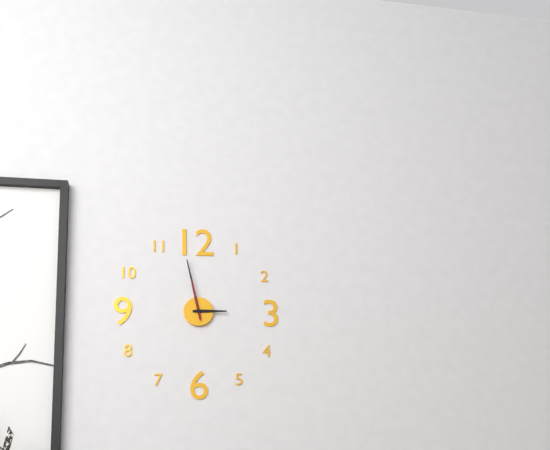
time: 2:58
